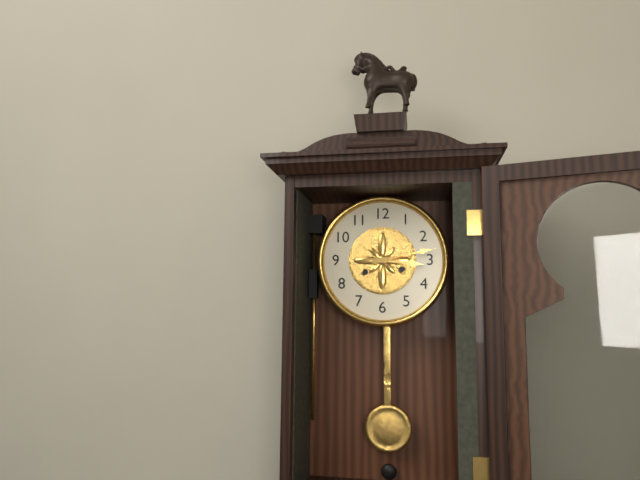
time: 3:13
